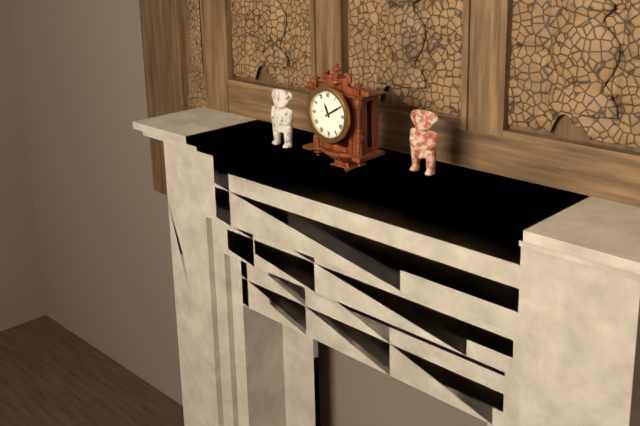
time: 11:10
